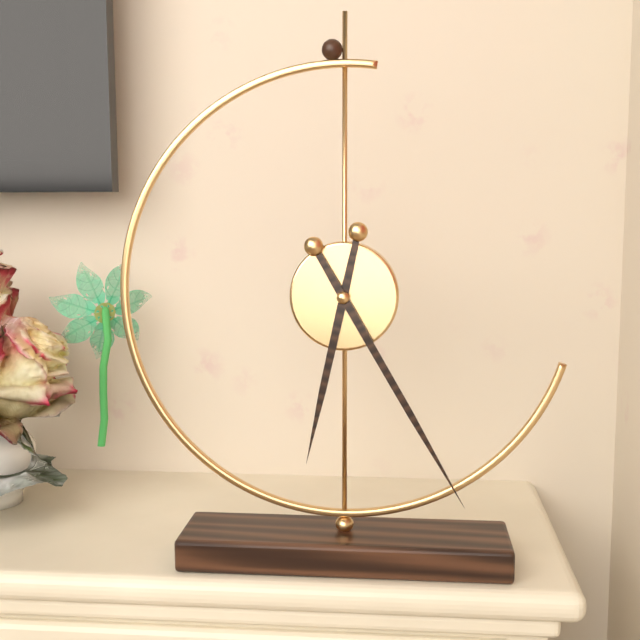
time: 6:25
